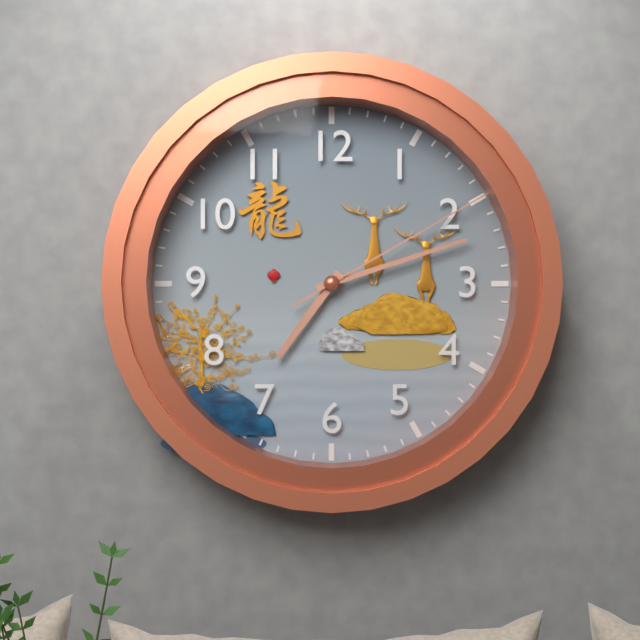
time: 7:12:10
